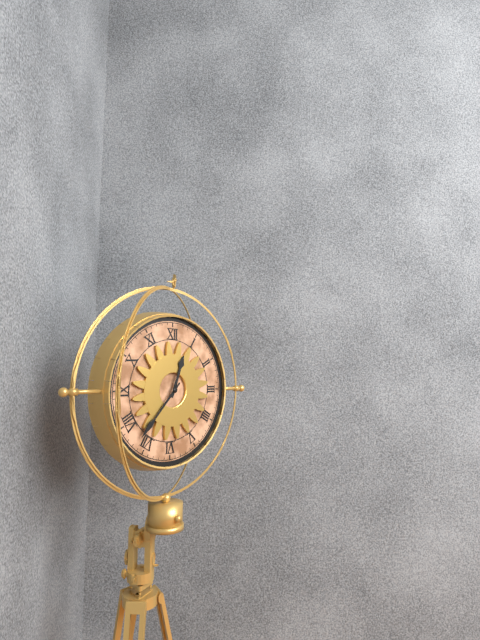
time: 12:37
